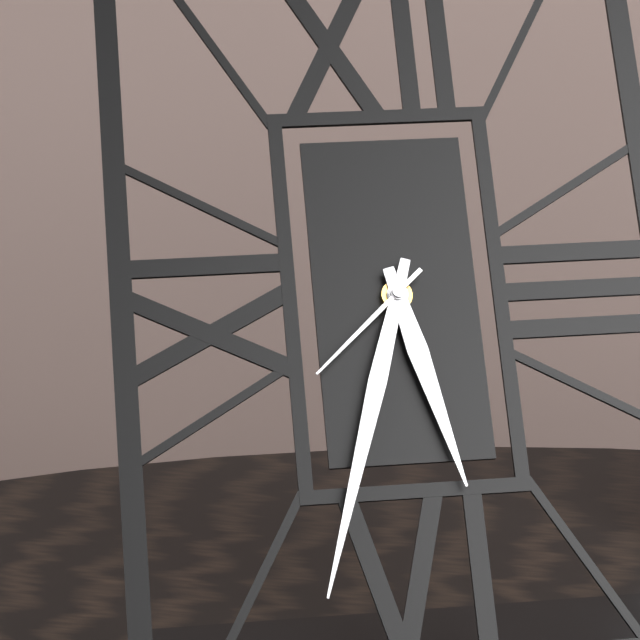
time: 5:33:38
